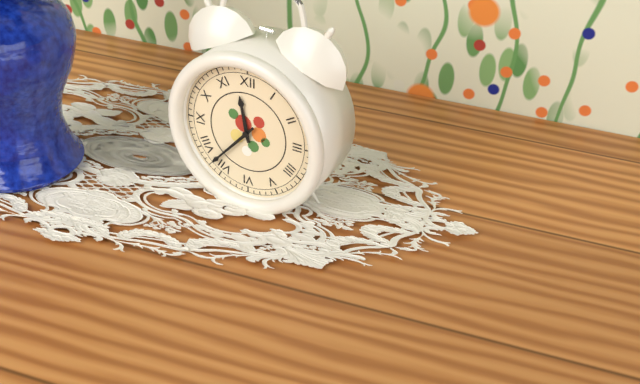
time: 11:37
